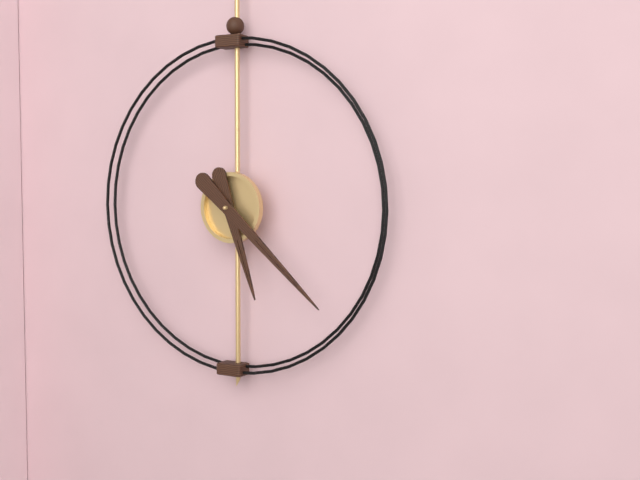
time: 5:22
